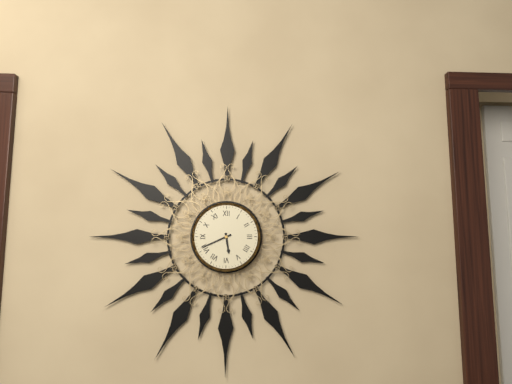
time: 5:41
